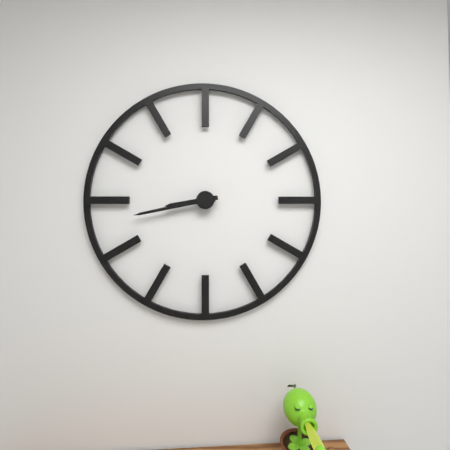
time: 8:43
